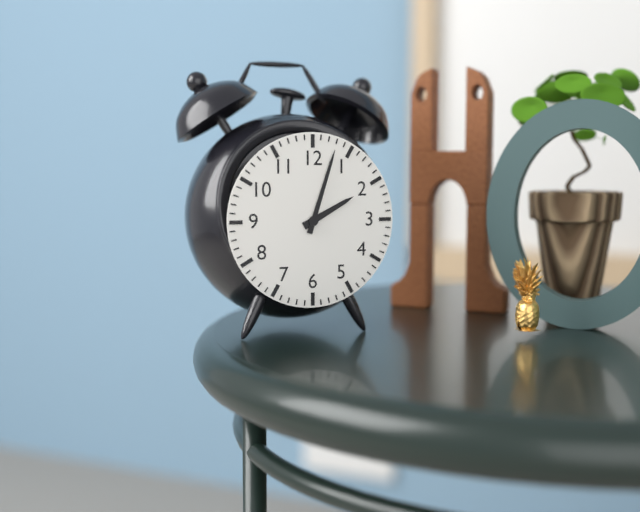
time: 2:03
